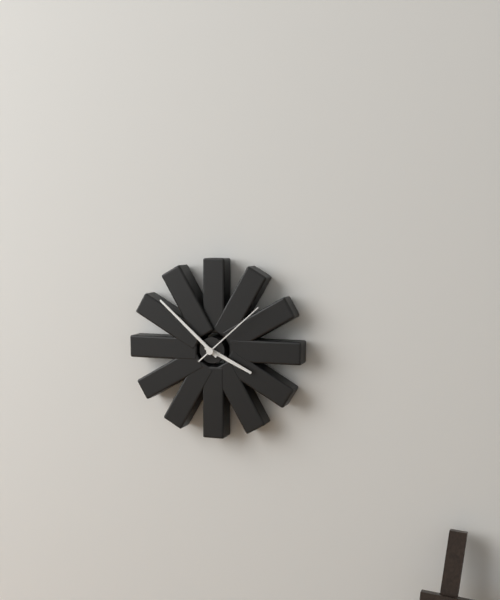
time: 3:52:08
